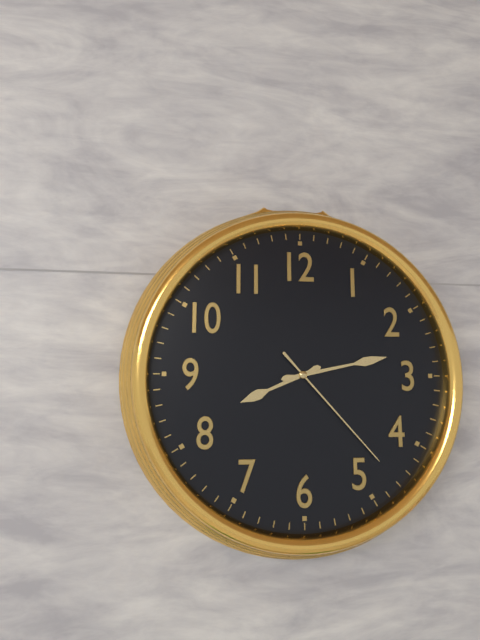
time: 8:13:23
